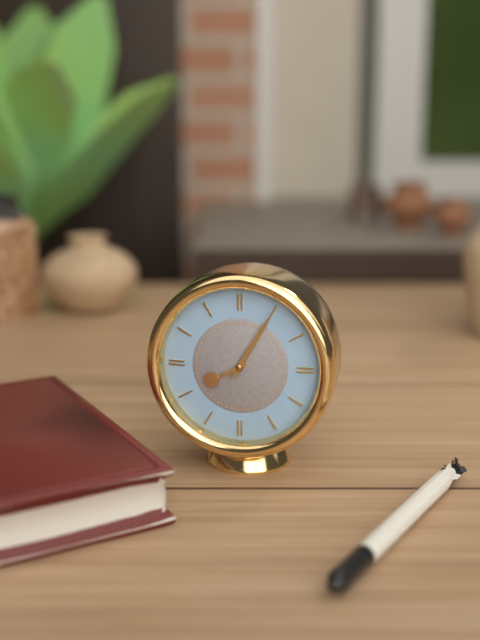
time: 8:05
